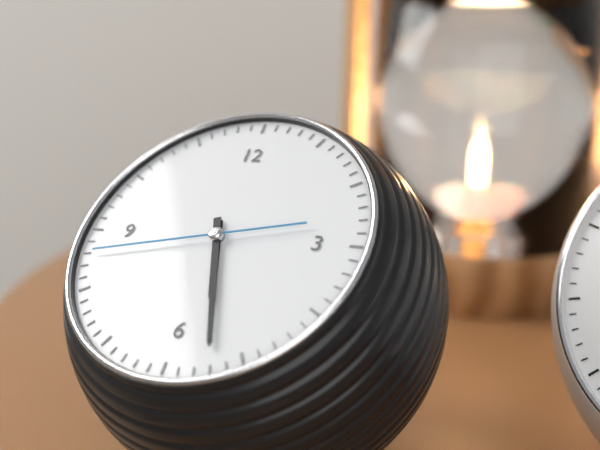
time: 5:27:43
